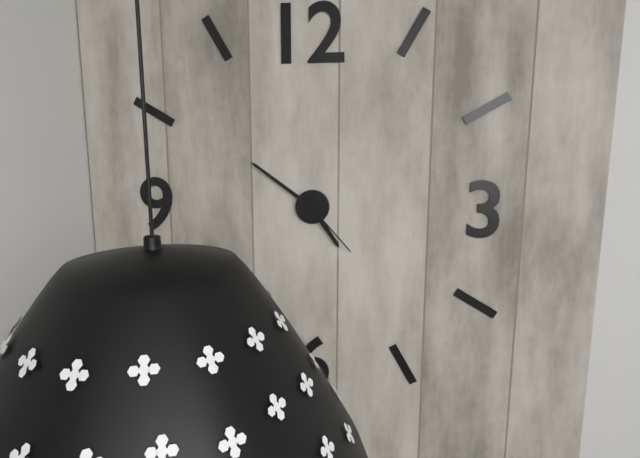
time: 4:51:23
